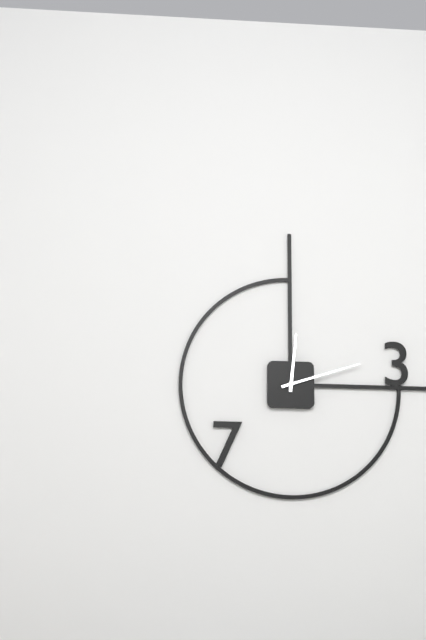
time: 12:12
